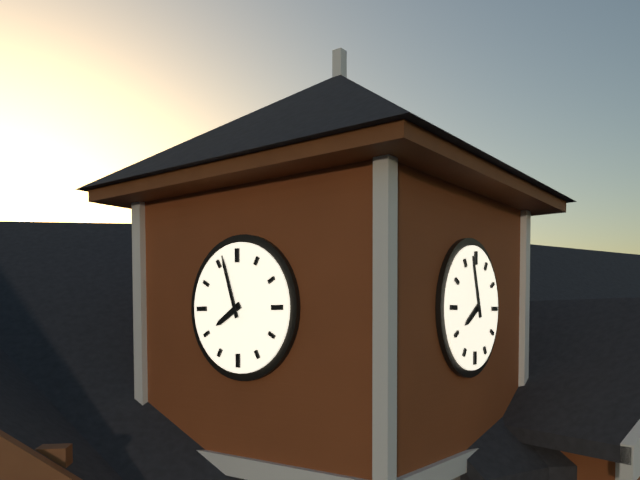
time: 7:57
